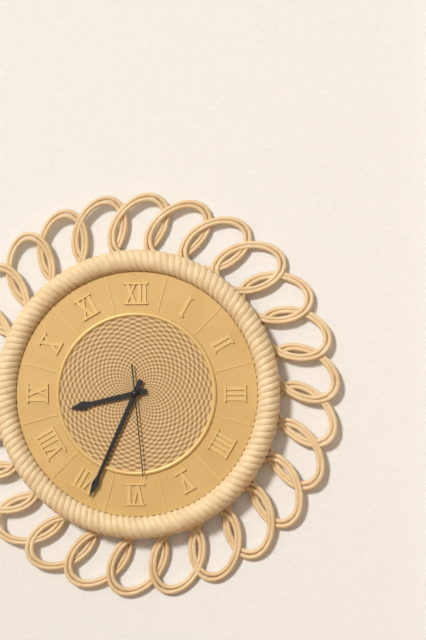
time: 8:34:29
